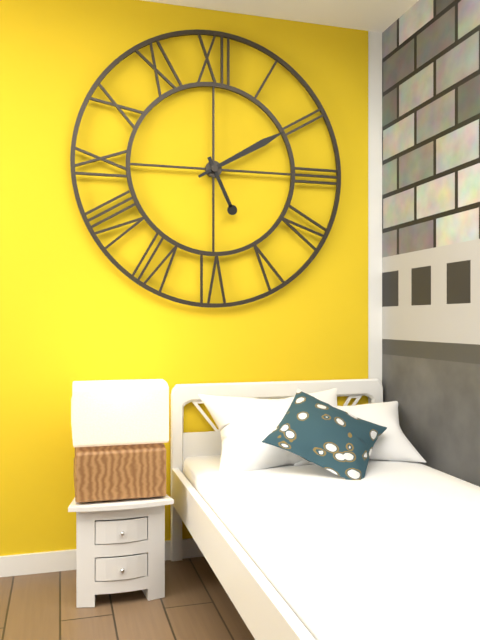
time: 5:10
